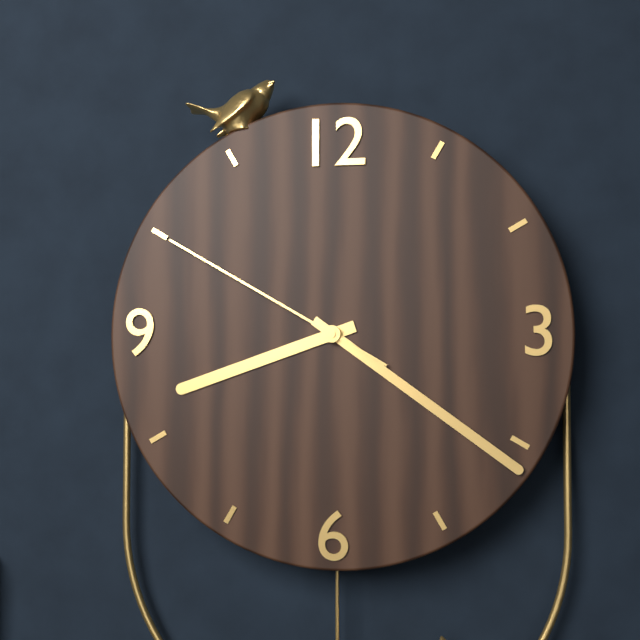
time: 8:21:50
